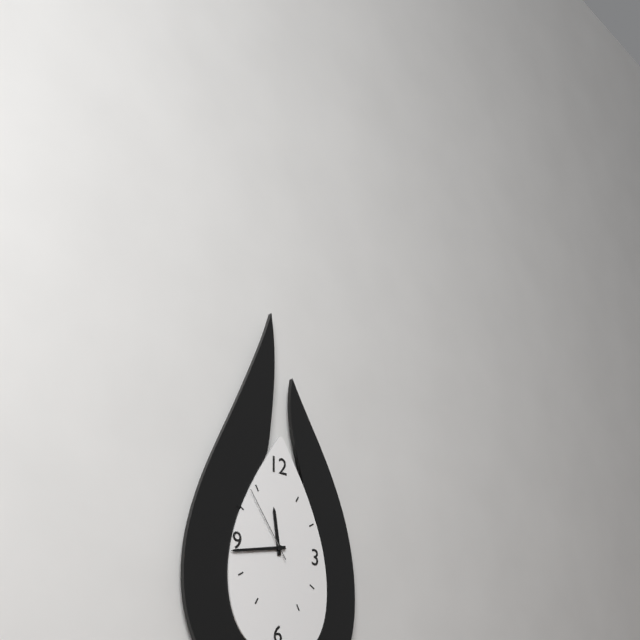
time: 11:43:54
